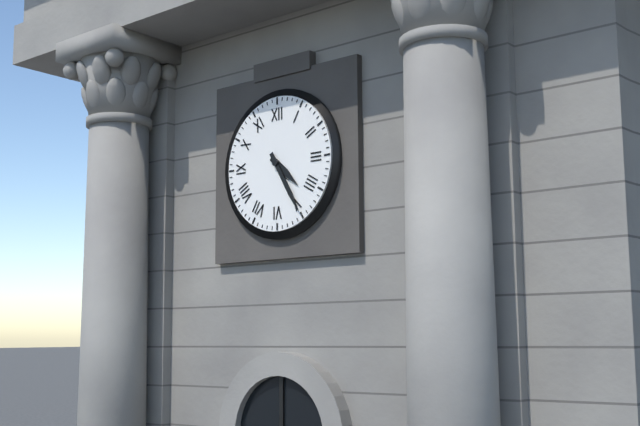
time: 4:25
